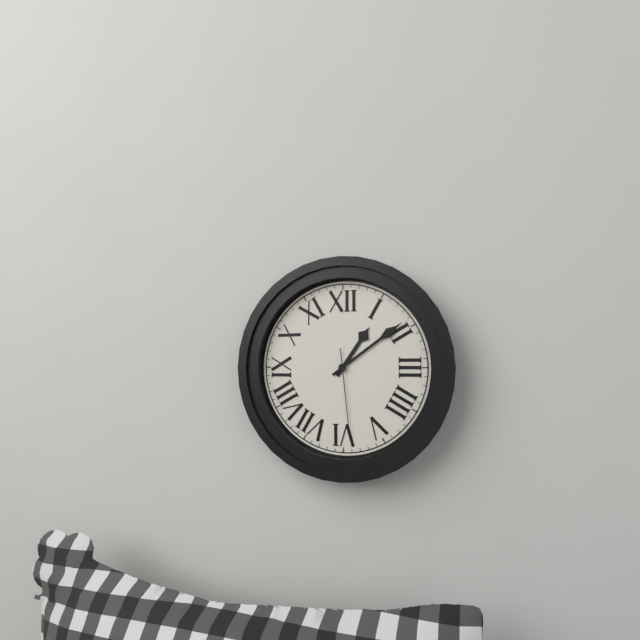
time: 1:09:29
